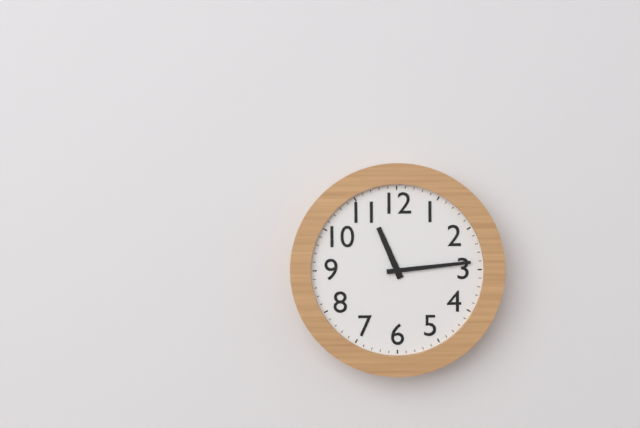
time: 11:14
